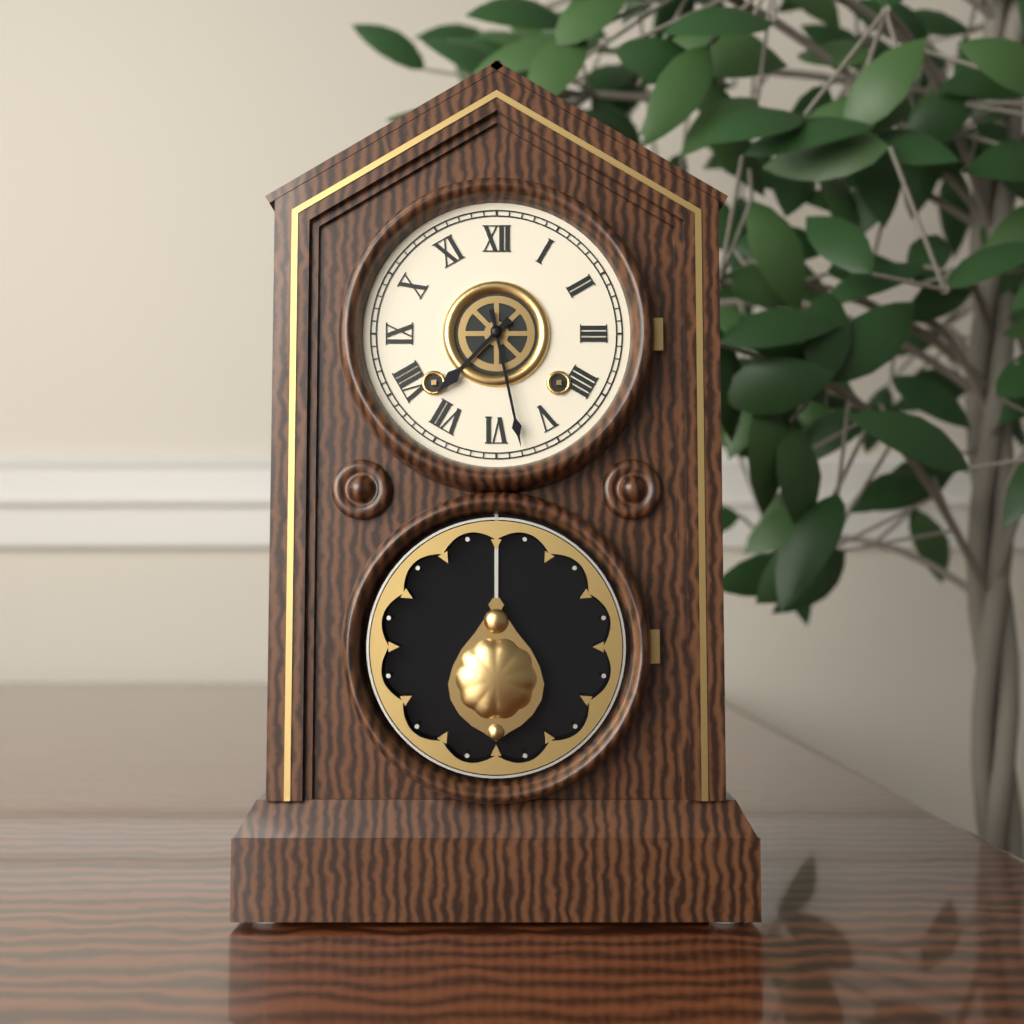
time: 7:28
